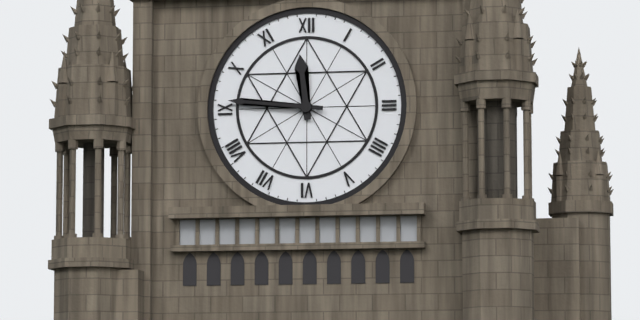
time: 11:46
